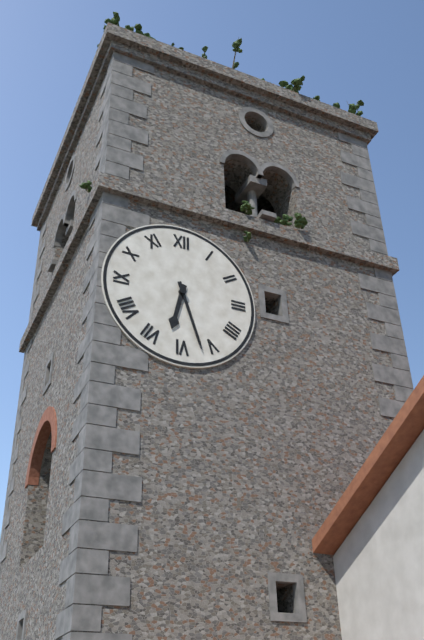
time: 6:27
